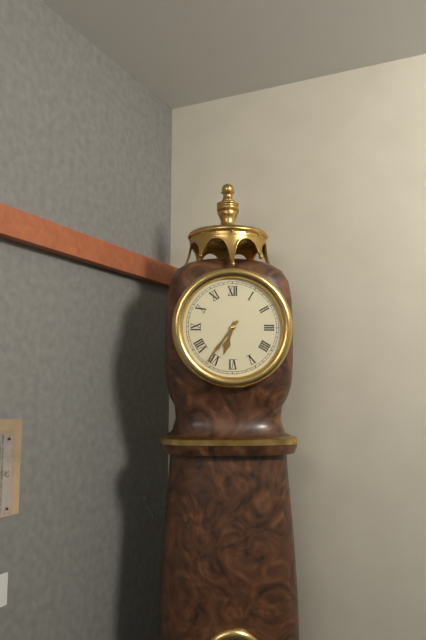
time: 6:36
